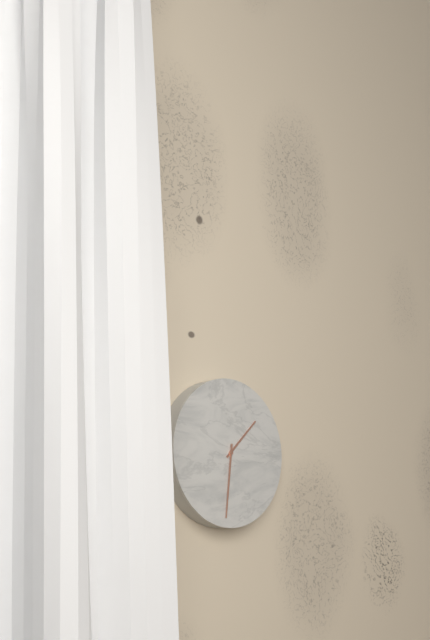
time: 1:31
